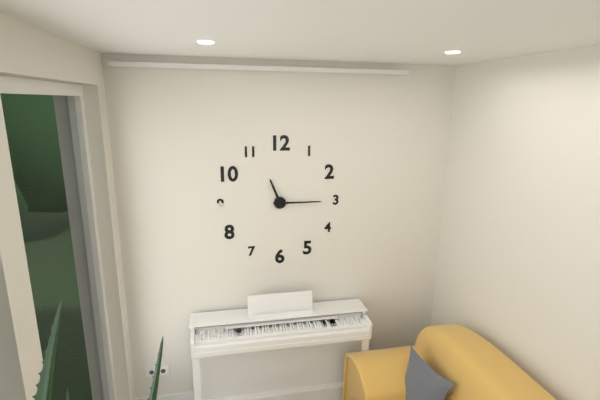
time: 11:15
